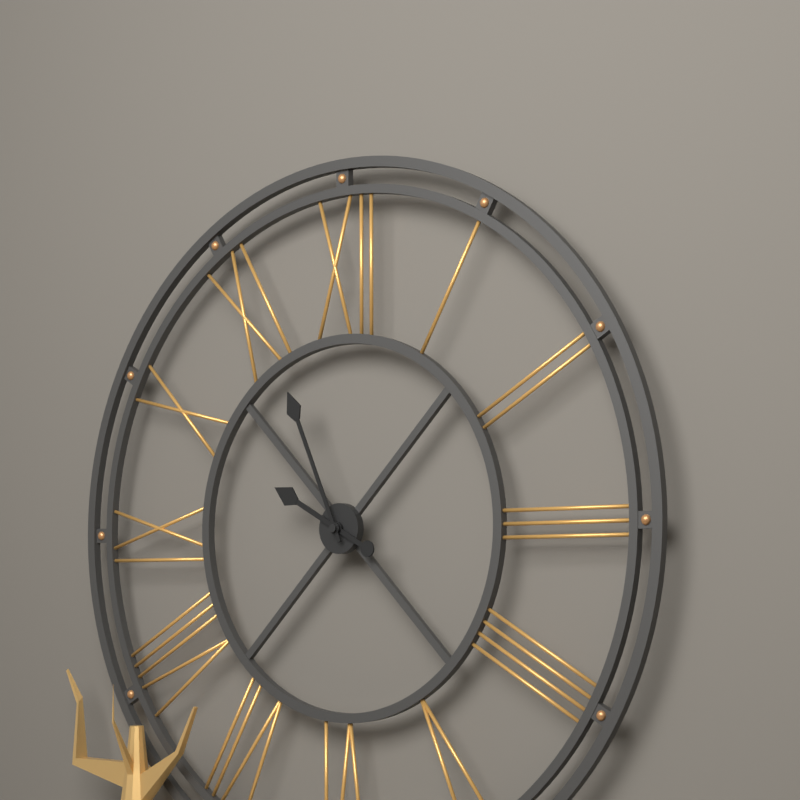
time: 9:56
